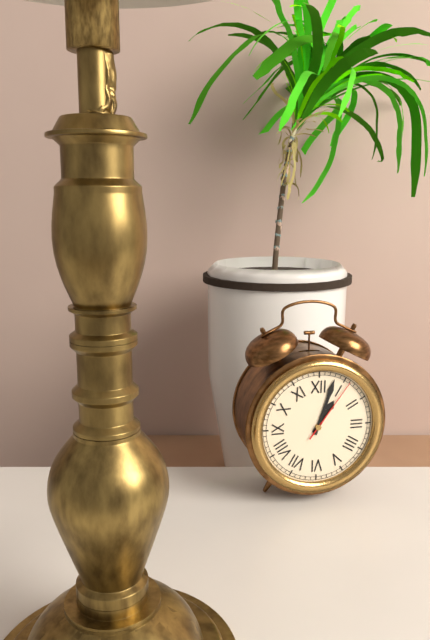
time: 1:03:06
